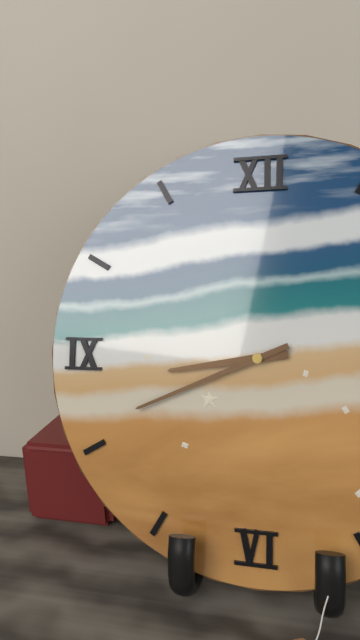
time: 8:41
